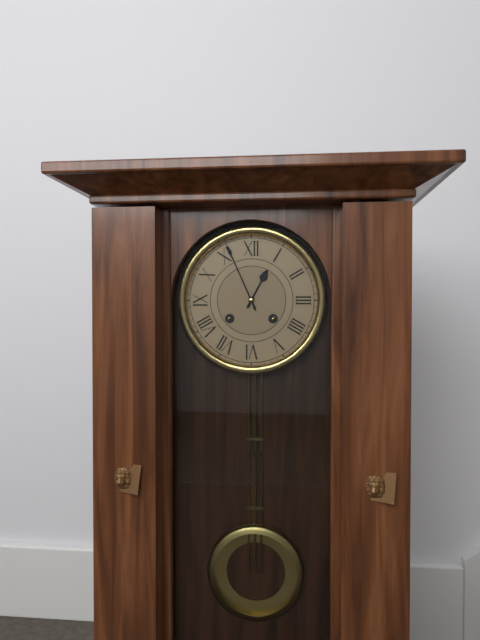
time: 12:56
